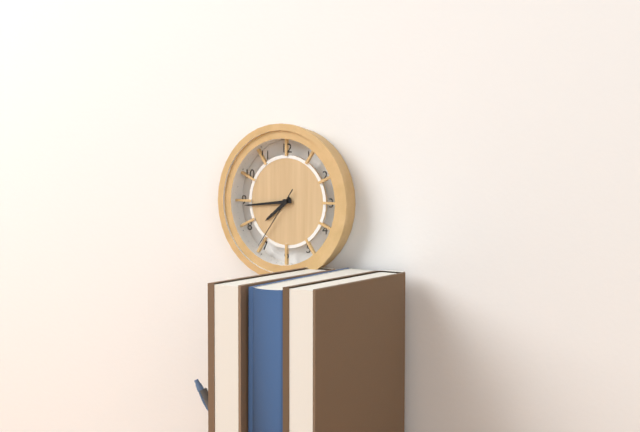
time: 7:44:36
